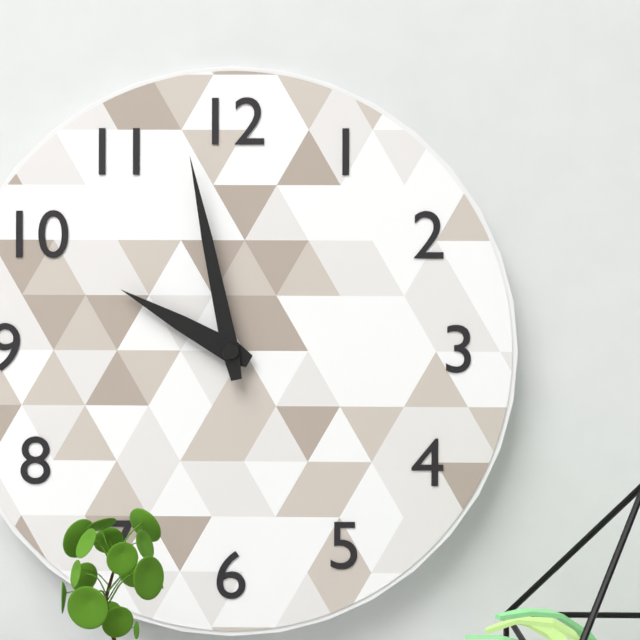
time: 9:58
